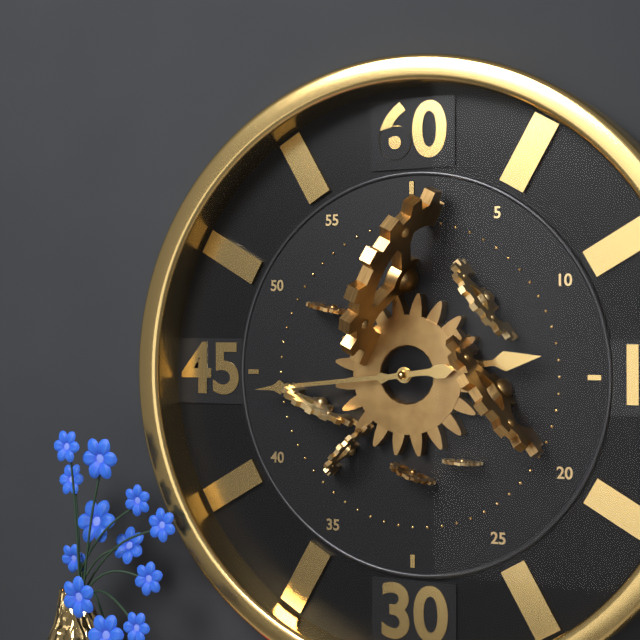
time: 2:44
